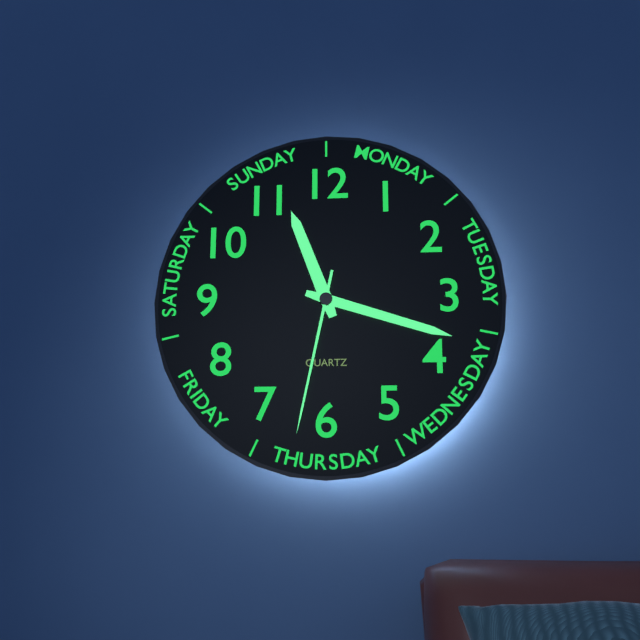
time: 11:18:32
